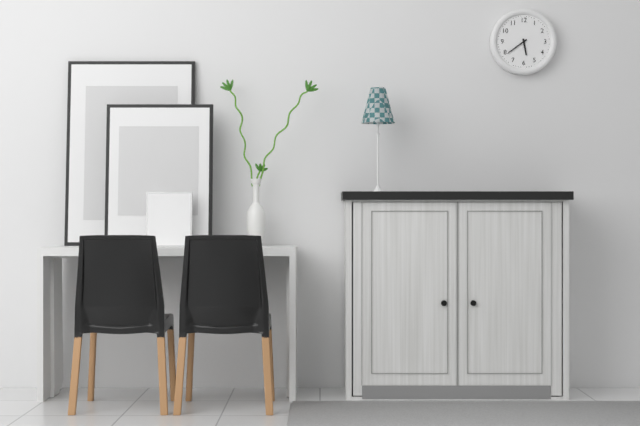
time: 5:39
